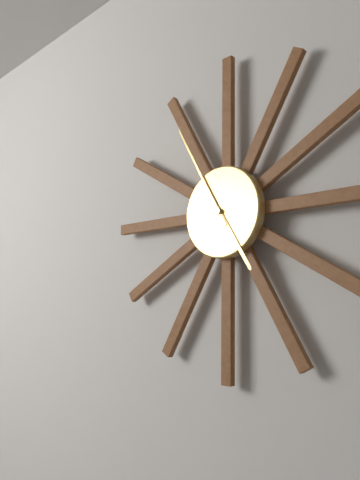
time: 4:55
